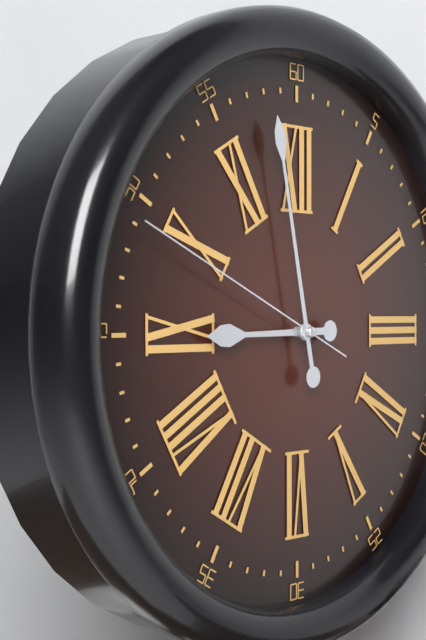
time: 8:58:49
